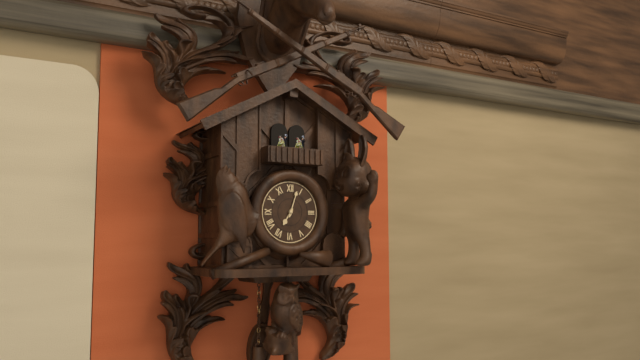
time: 7:03
